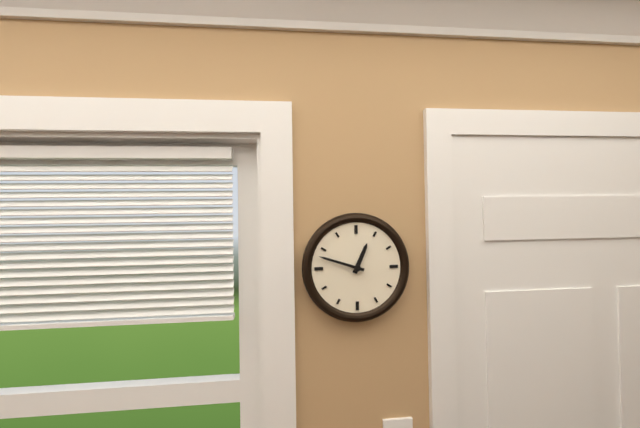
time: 12:48
